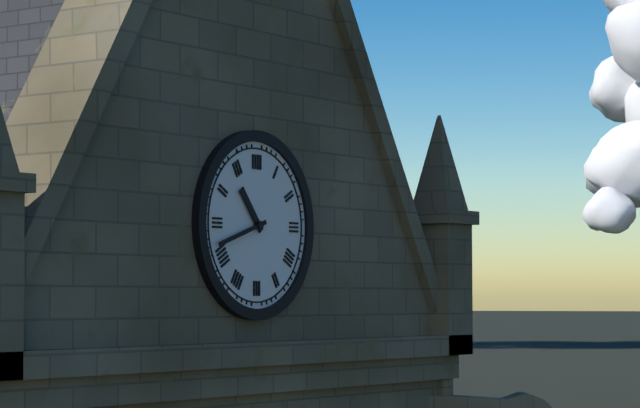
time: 10:42
